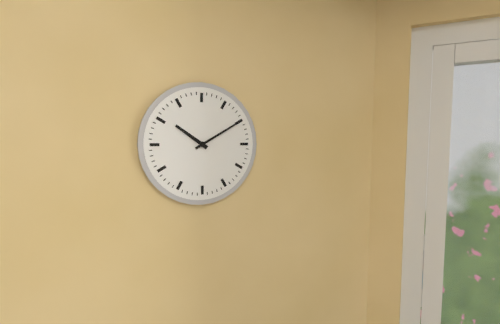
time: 10:10
